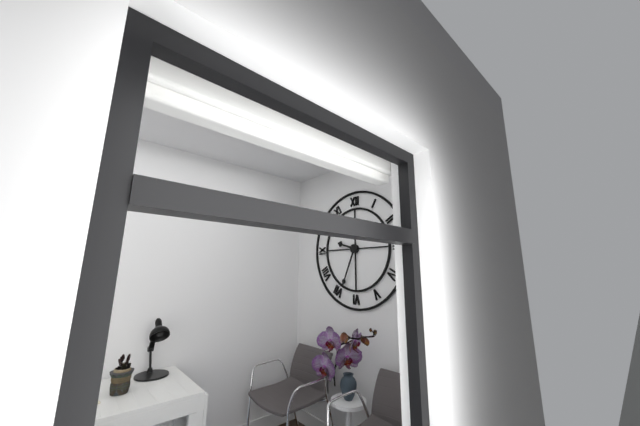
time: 9:34
